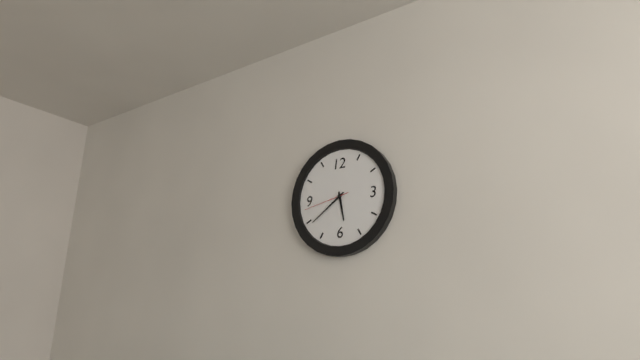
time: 5:39
